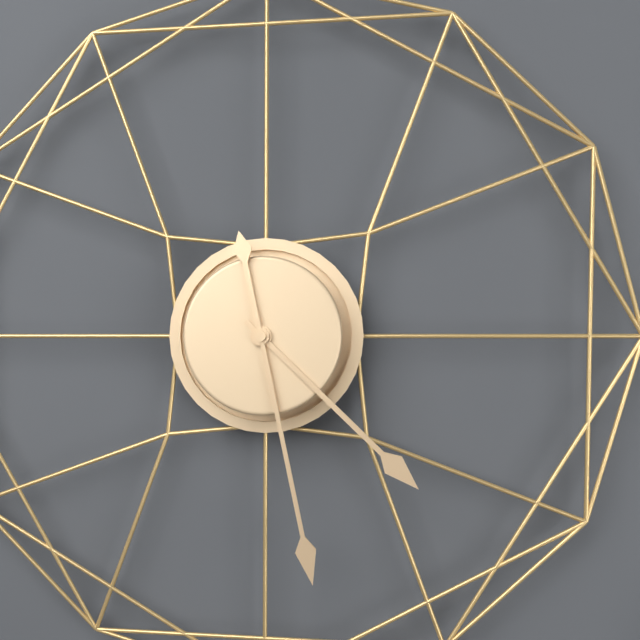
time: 4:28
